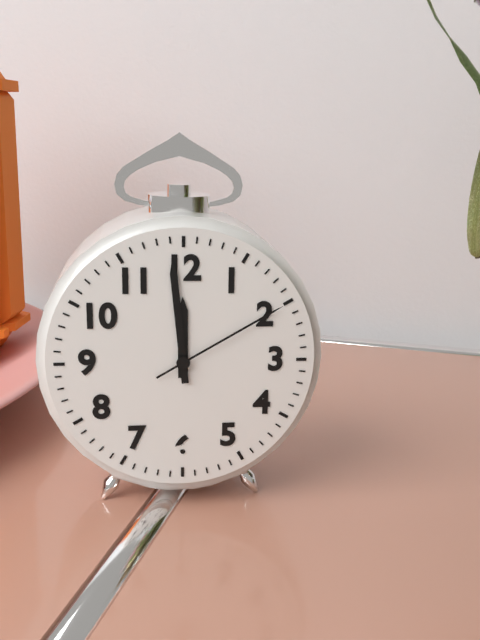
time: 11:59:10
